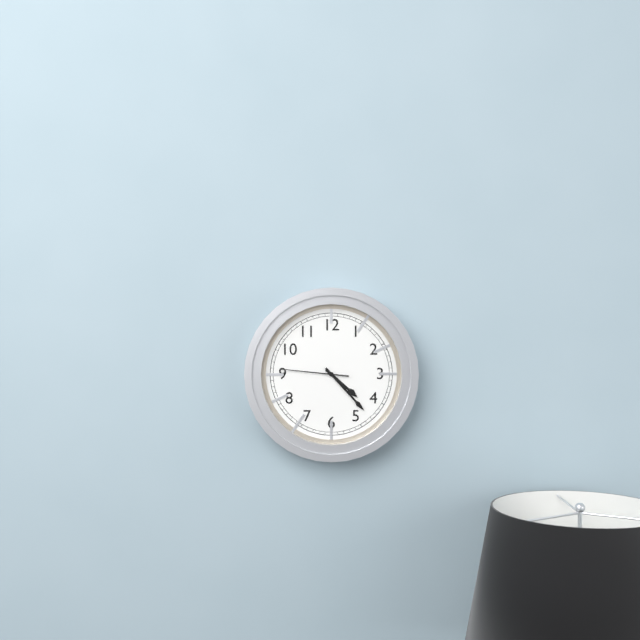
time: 4:23:46
